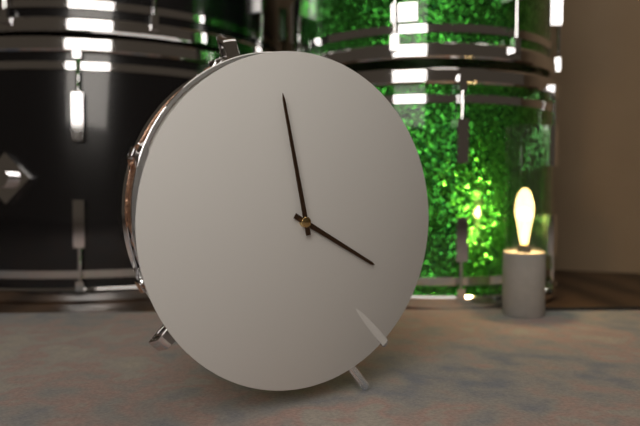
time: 3:58
